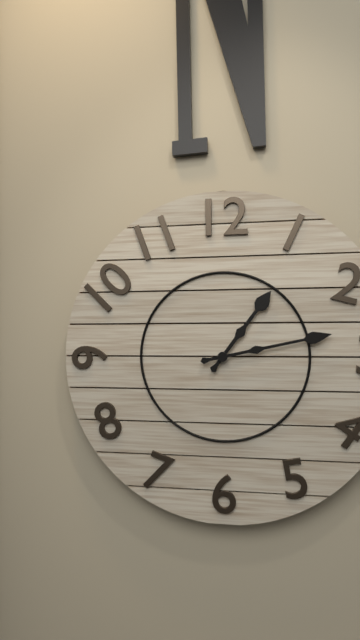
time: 1:13
